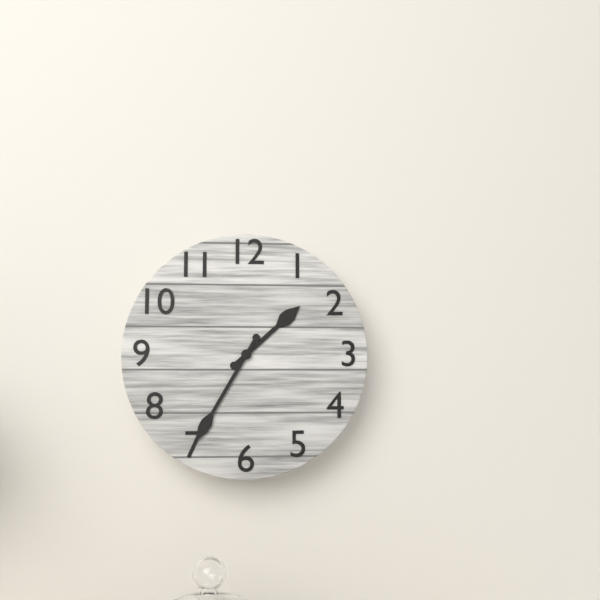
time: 1:35
